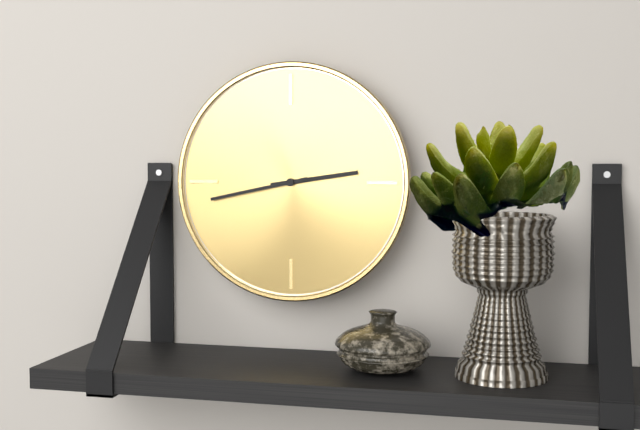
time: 2:43
